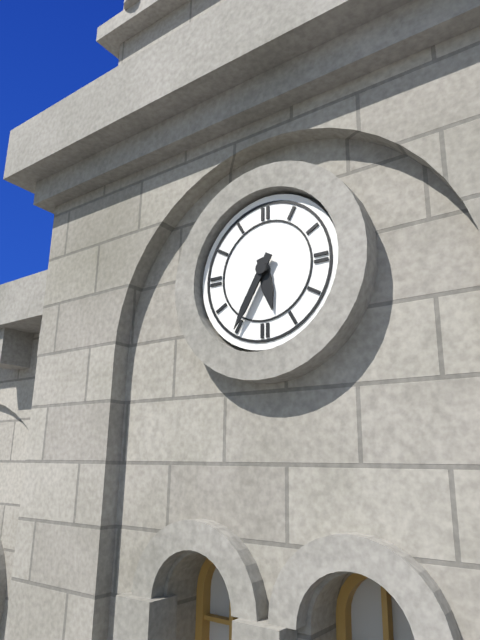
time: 5:35
